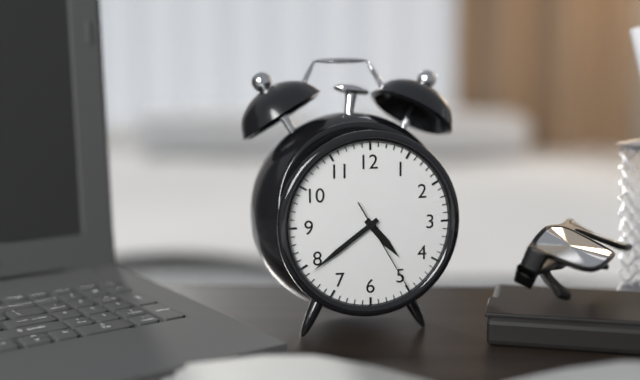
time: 4:39:25
